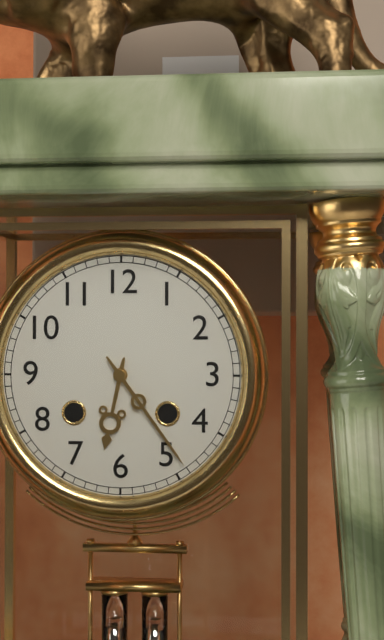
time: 6:24
